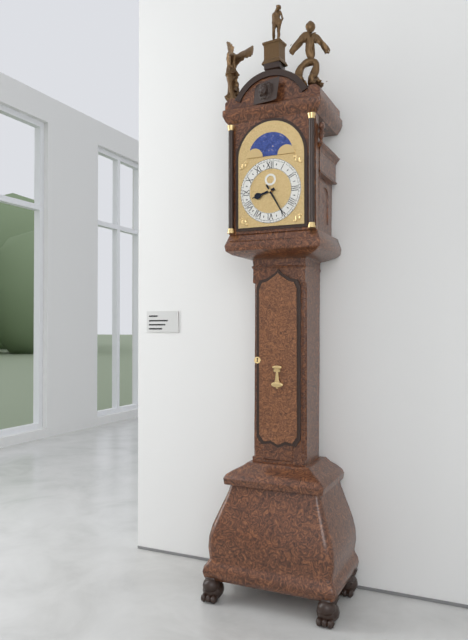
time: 8:25
